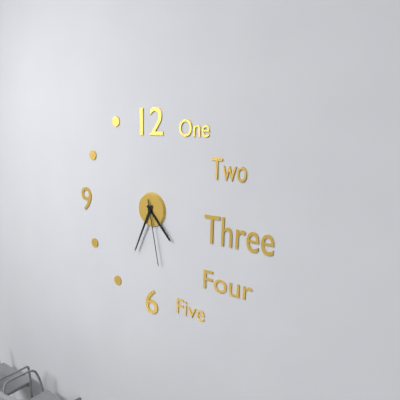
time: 4:34:28
